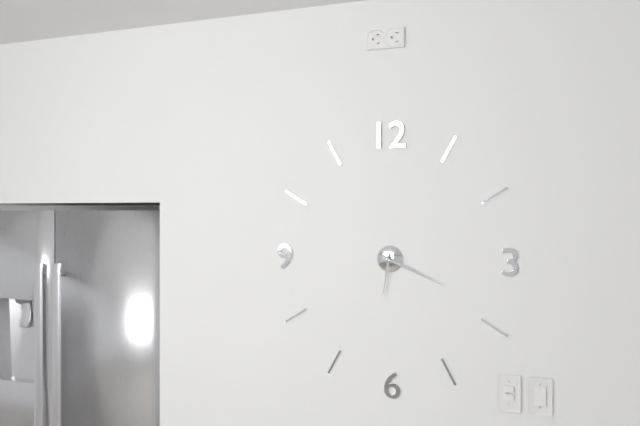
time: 6:19
